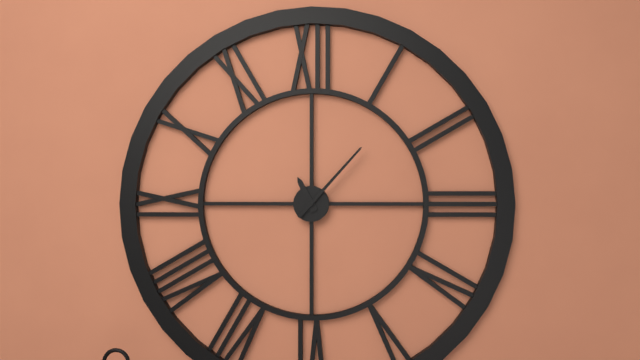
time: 11:07
